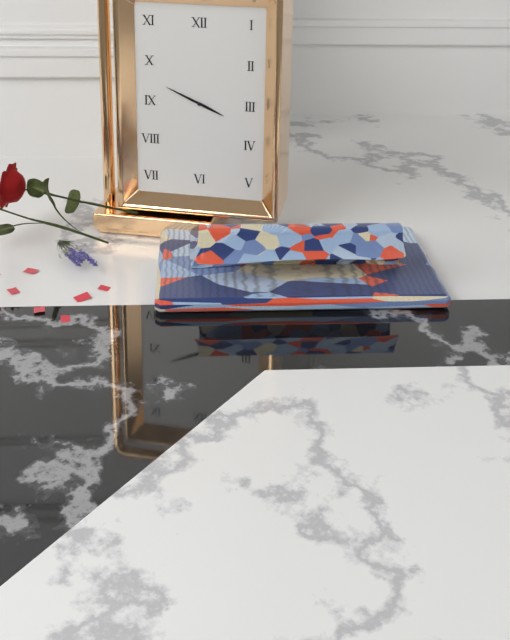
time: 3:49
